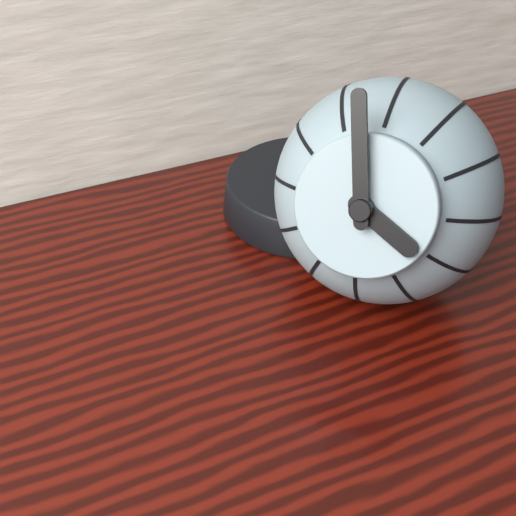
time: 3:58
